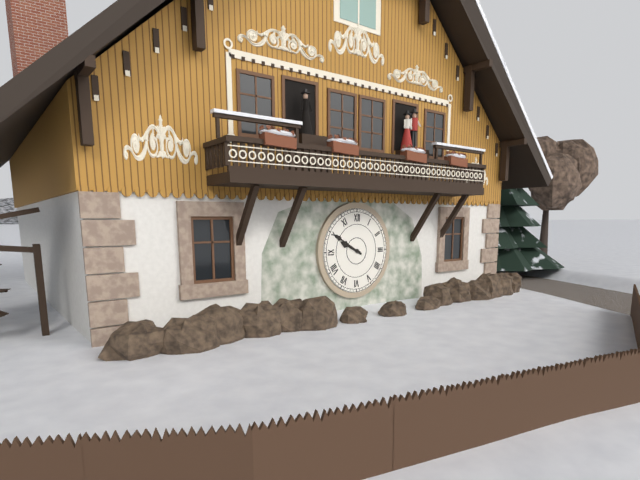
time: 9:50
